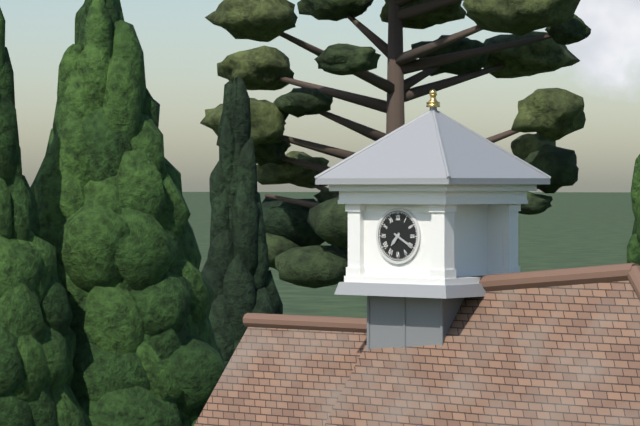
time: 7:20
